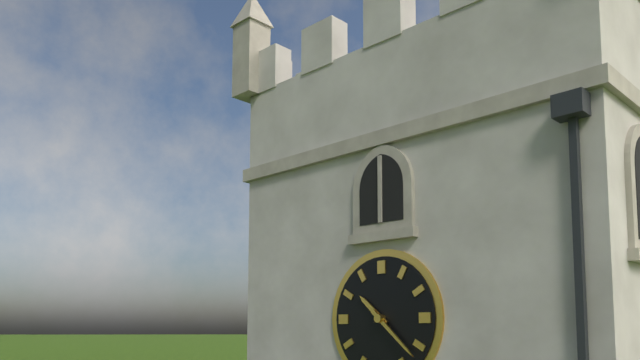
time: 10:22
